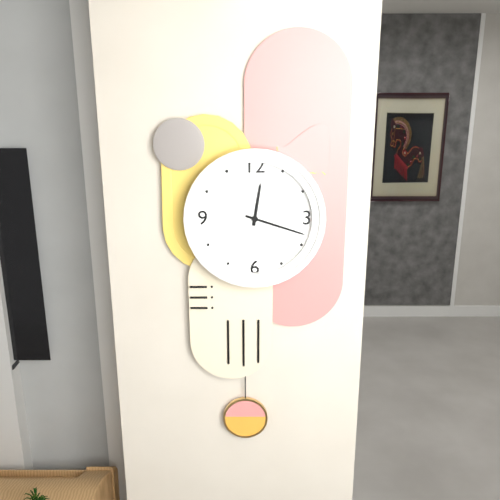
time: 12:18
